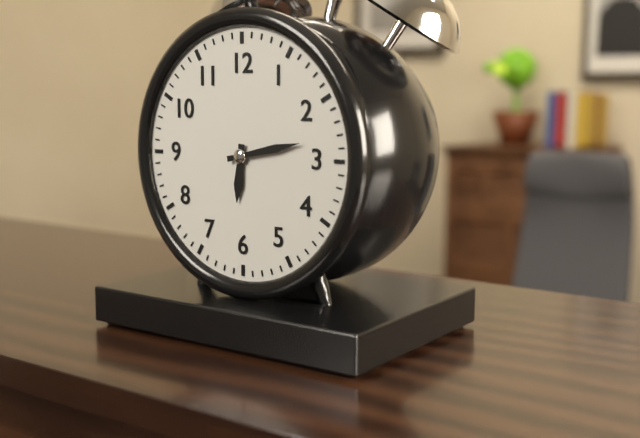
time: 6:13
